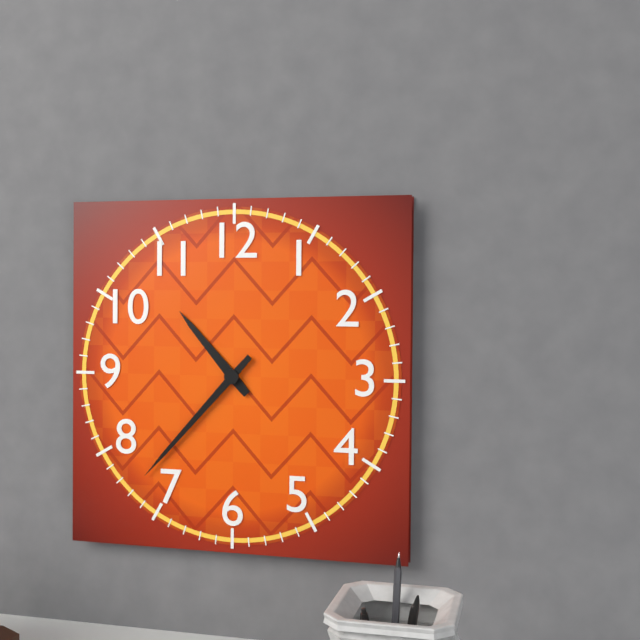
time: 10:37
